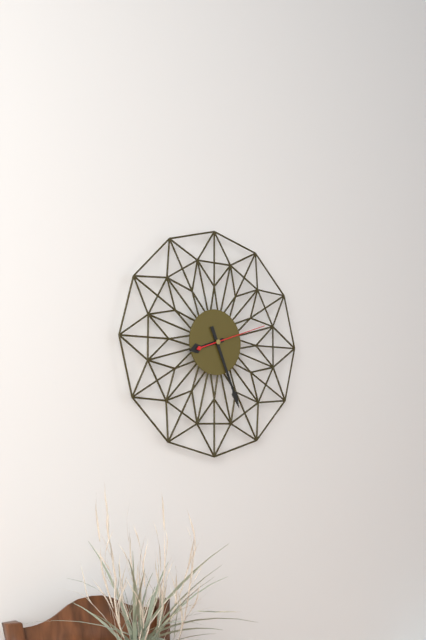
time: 8:26:12
